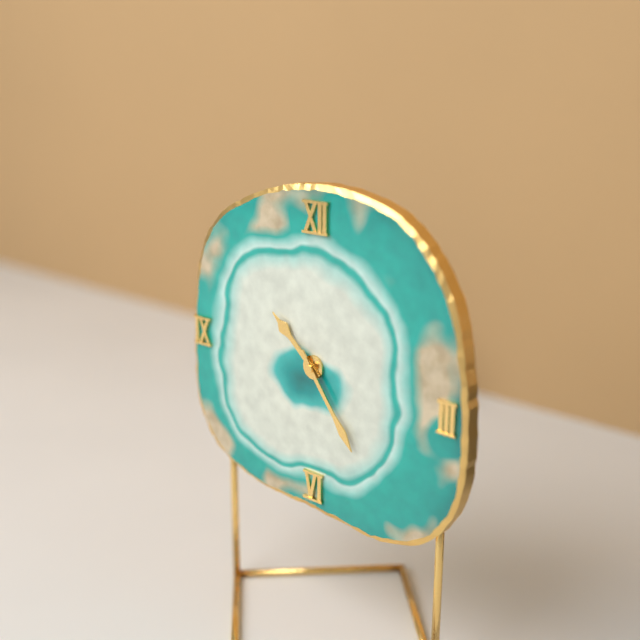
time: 10:24
